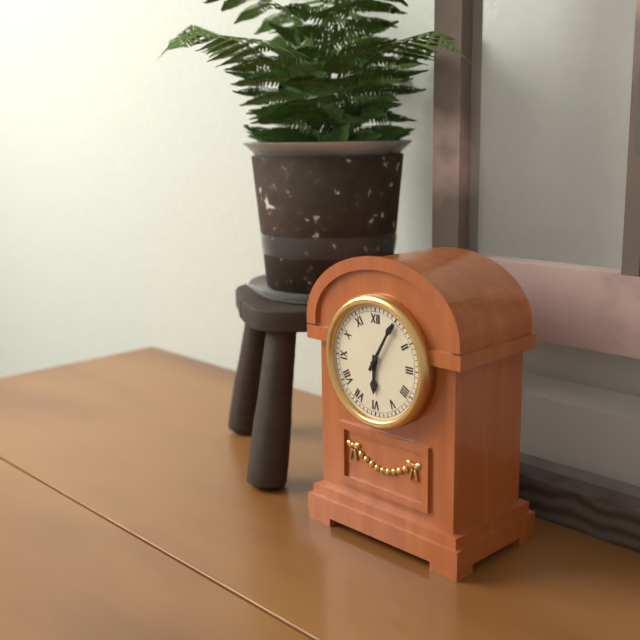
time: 6:05
